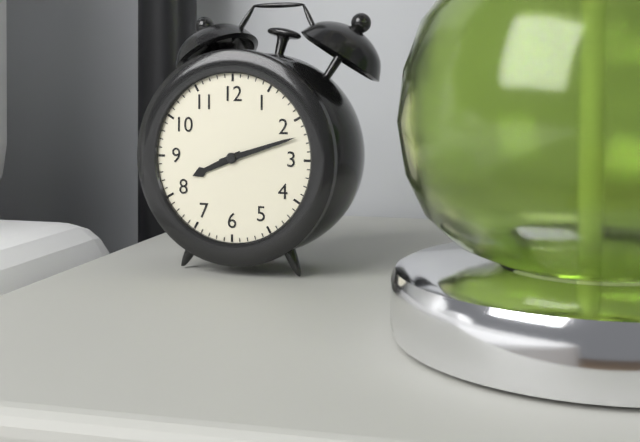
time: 8:12
